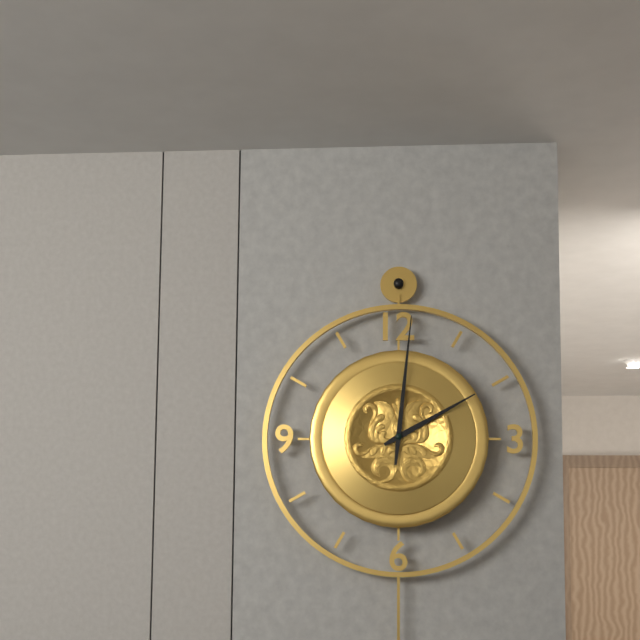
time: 2:01
